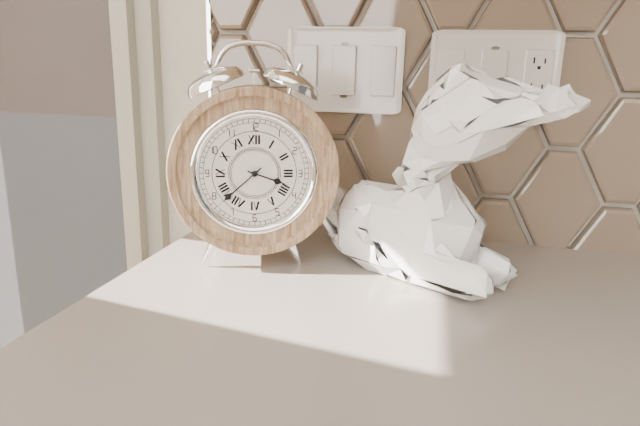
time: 3:38
